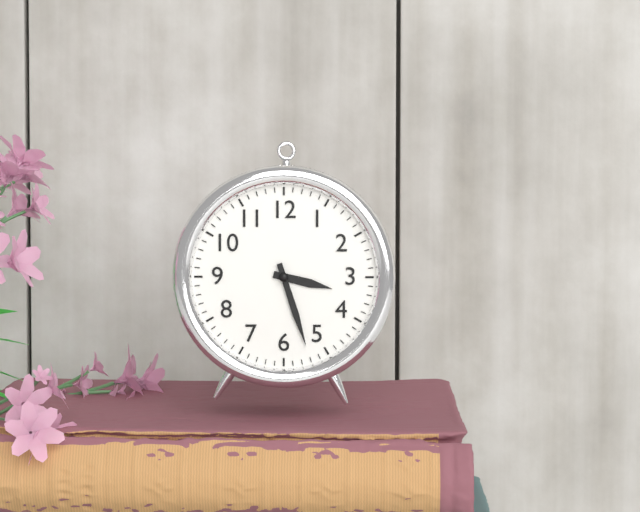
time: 3:27
